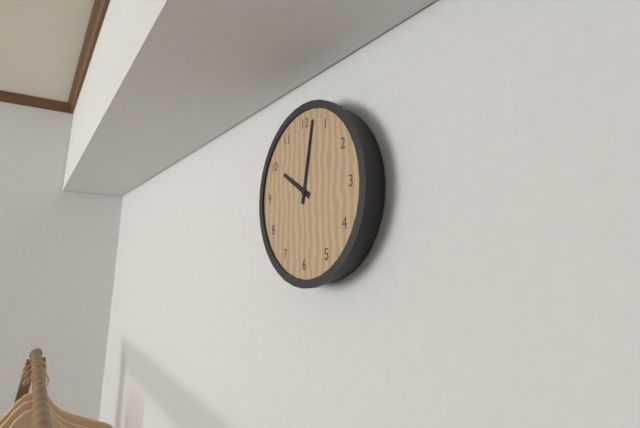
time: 10:02
